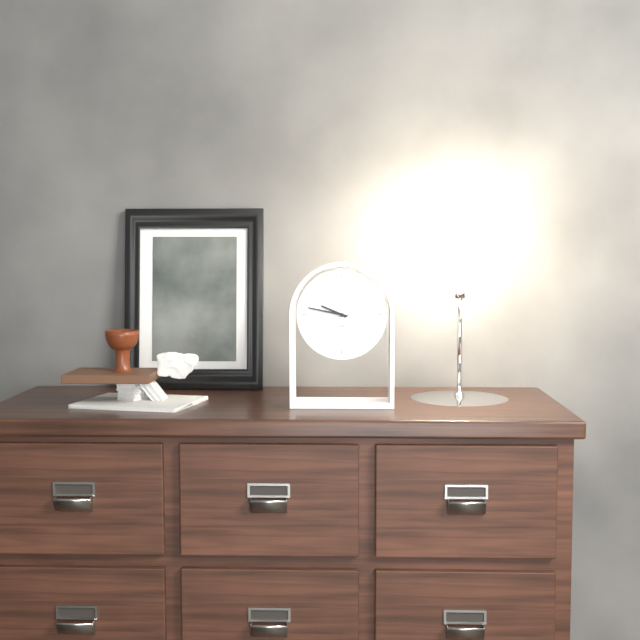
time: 9:47
